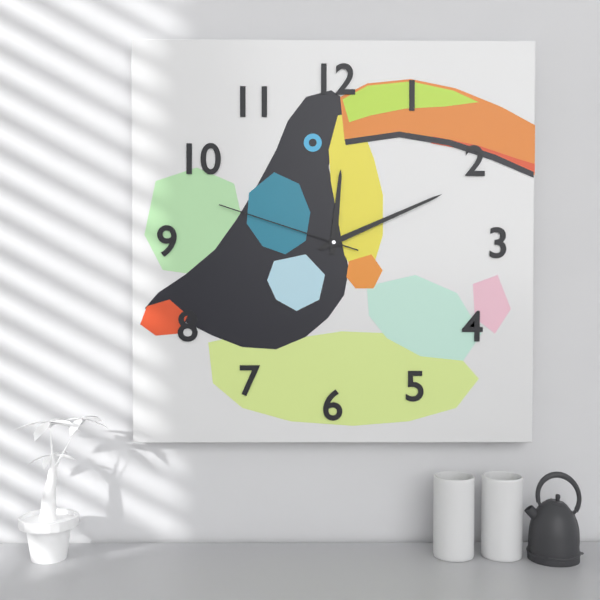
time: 12:11:48
